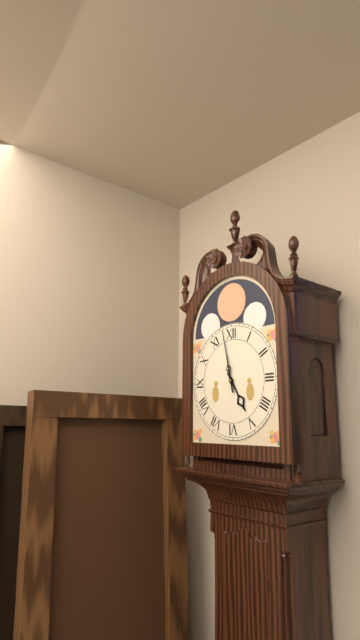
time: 4:58
